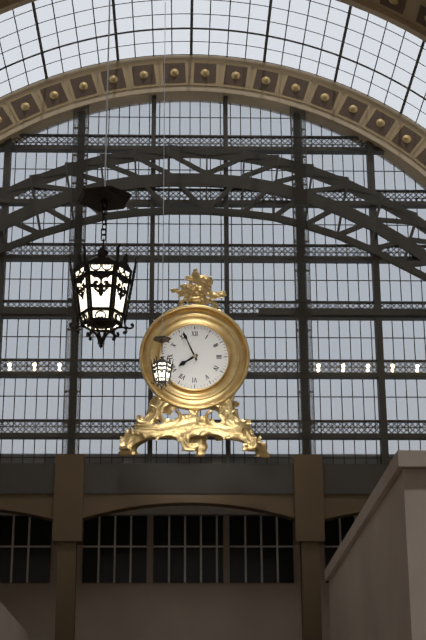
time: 7:56
